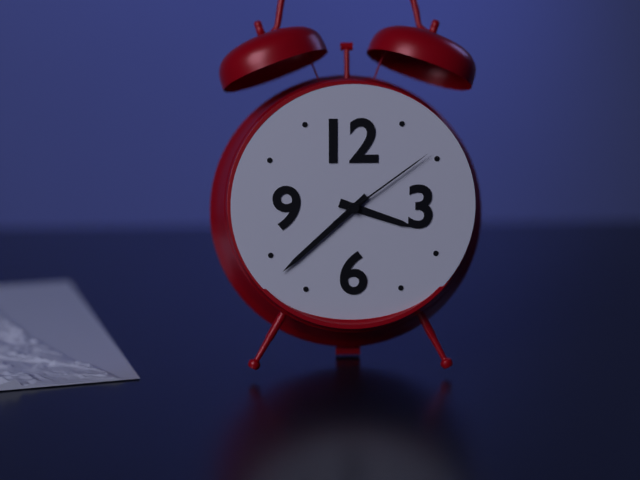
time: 3:38:09
